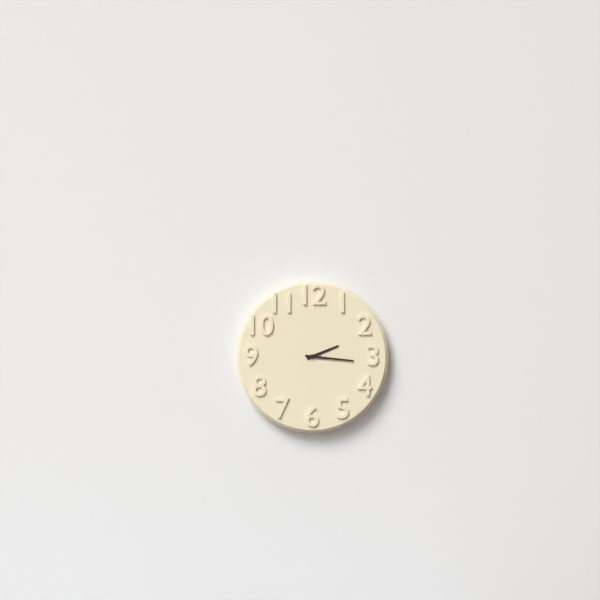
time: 2:16
